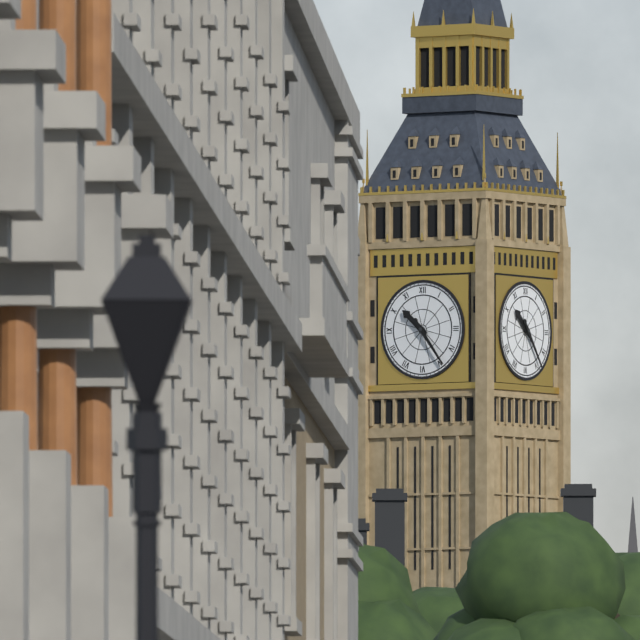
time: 10:24
